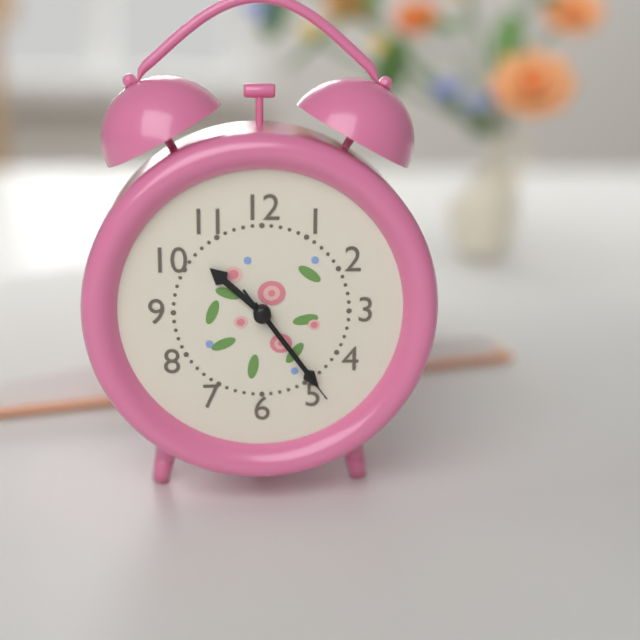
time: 10:24:24
